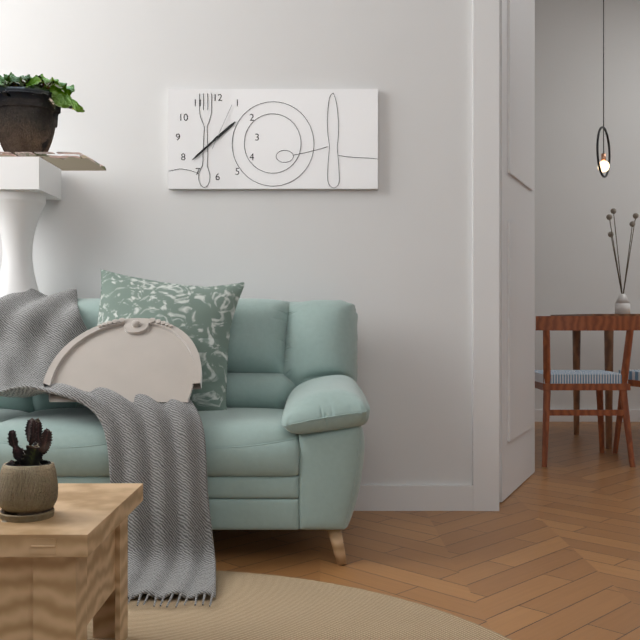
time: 1:38
